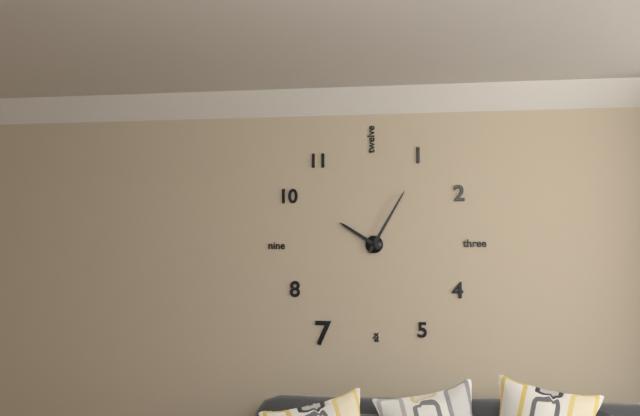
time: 10:05
